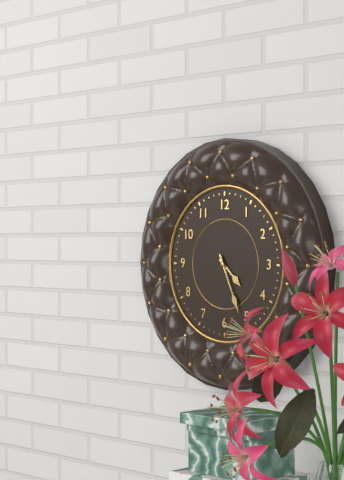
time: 4:26
